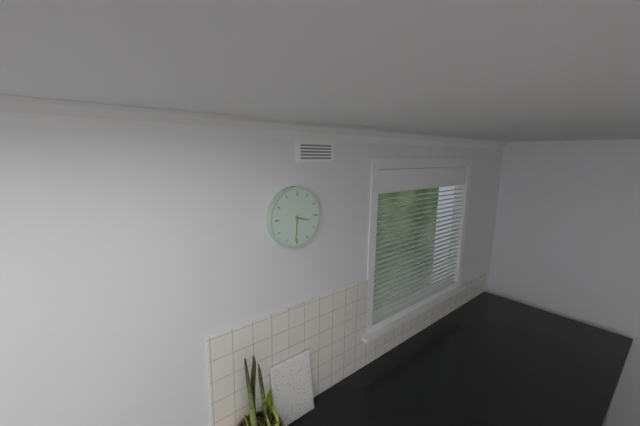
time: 3:31
